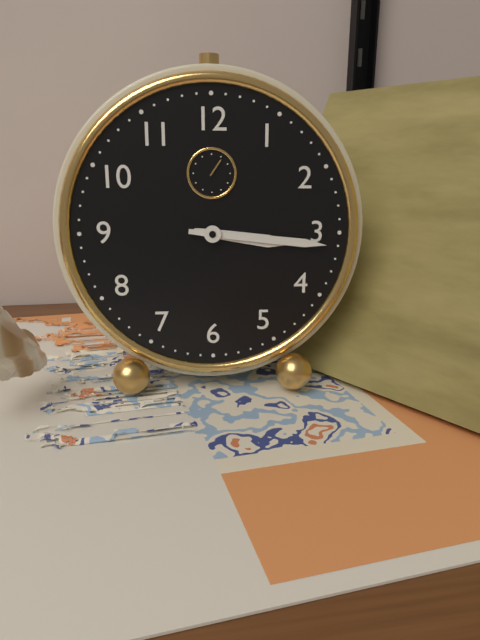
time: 3:16
